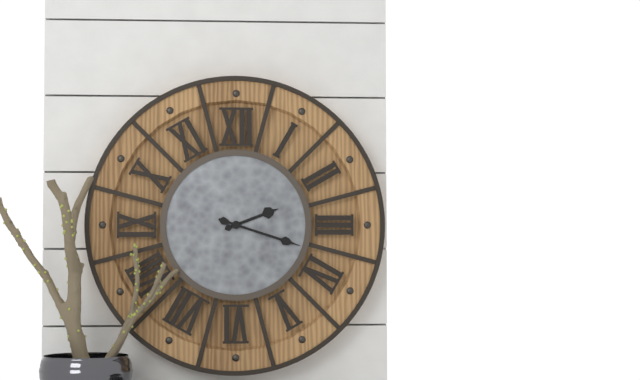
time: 2:18
